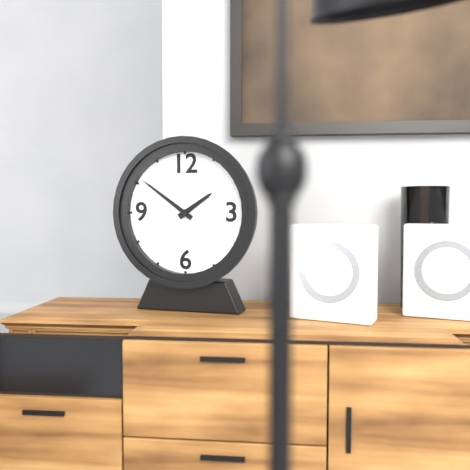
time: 1:51
